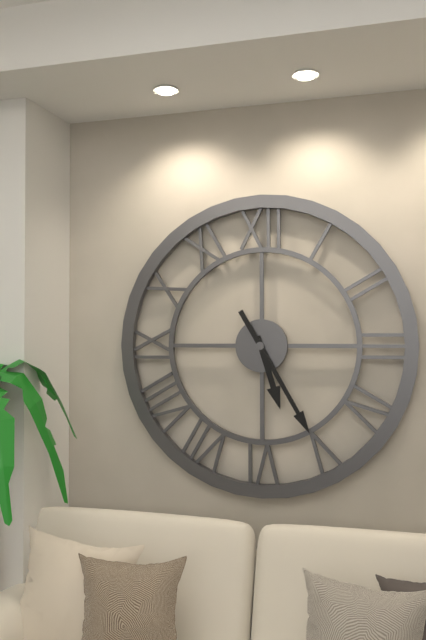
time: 5:25
